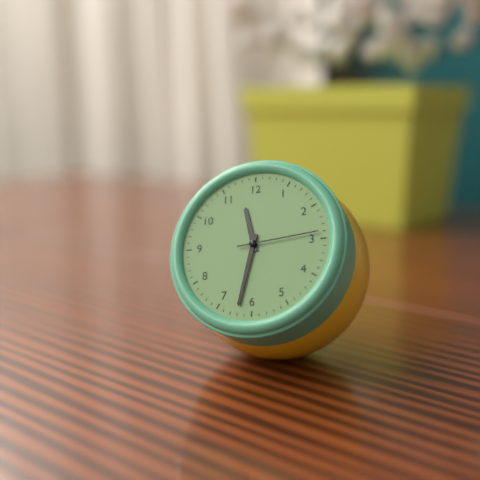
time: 11:32:14
